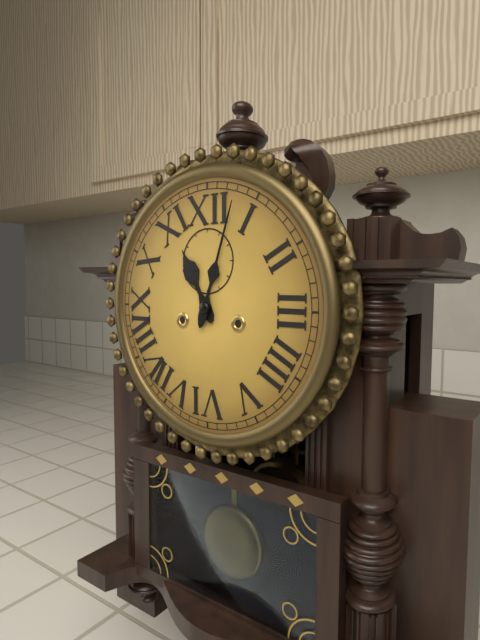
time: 11:03
